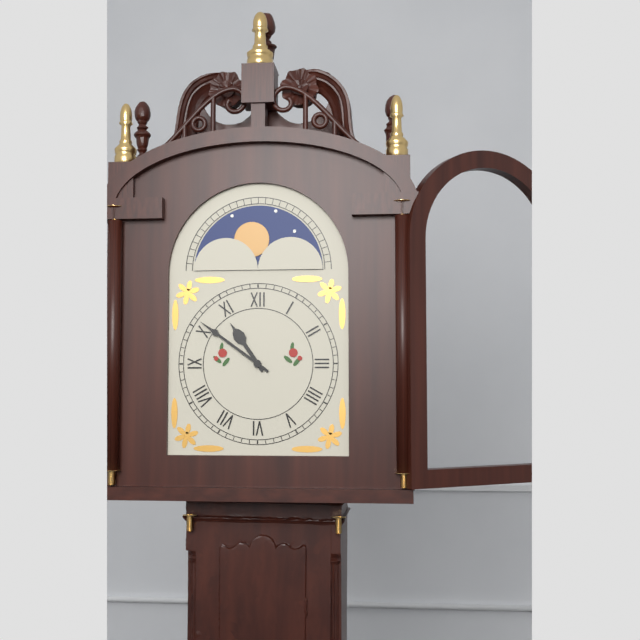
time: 10:51
